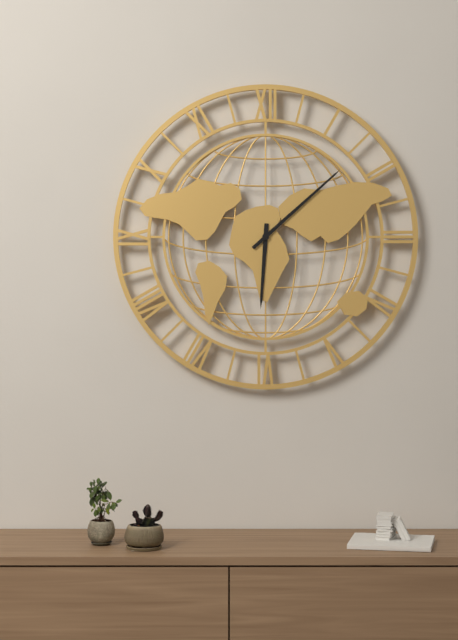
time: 6:08
